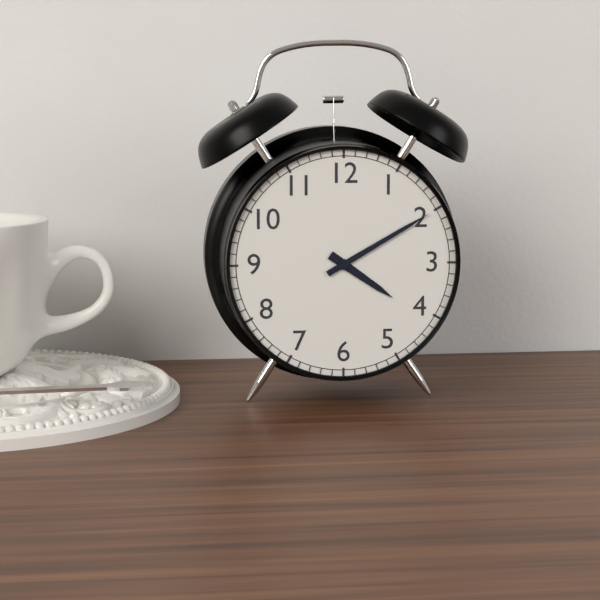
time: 4:10
